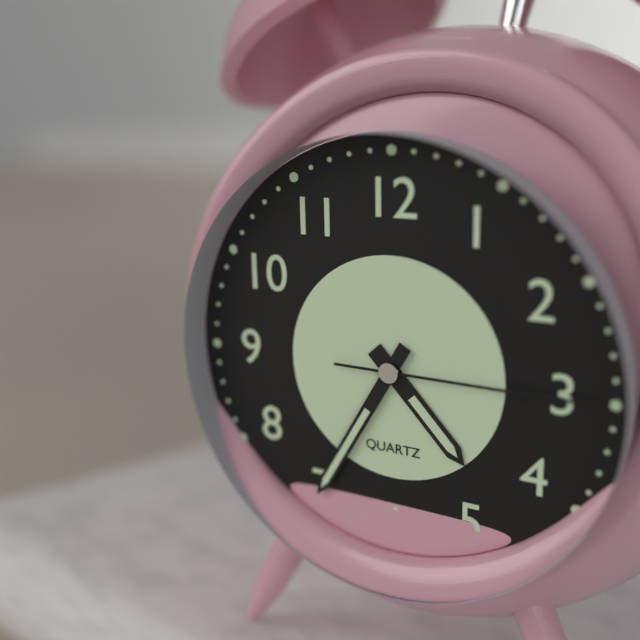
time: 4:35:15
